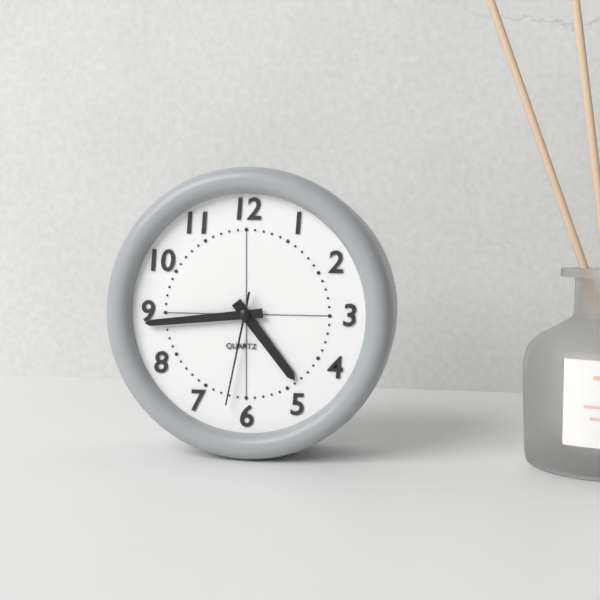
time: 4:44:32
